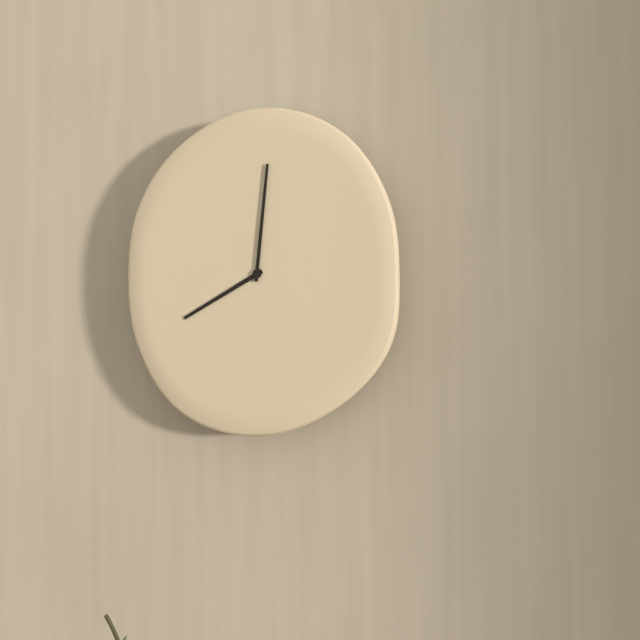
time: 8:01
